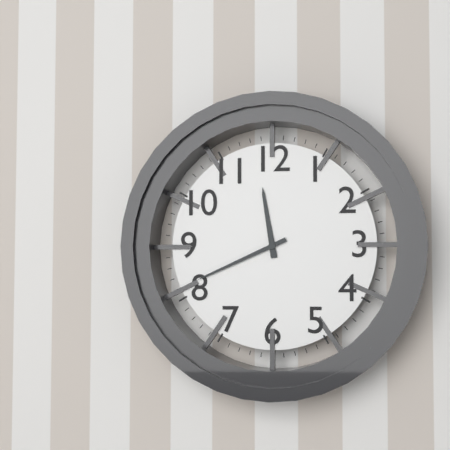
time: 11:41
